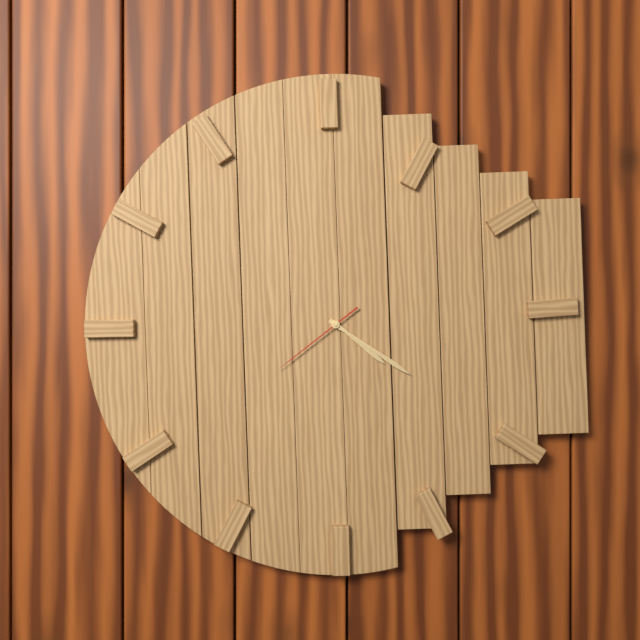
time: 4:21:39
